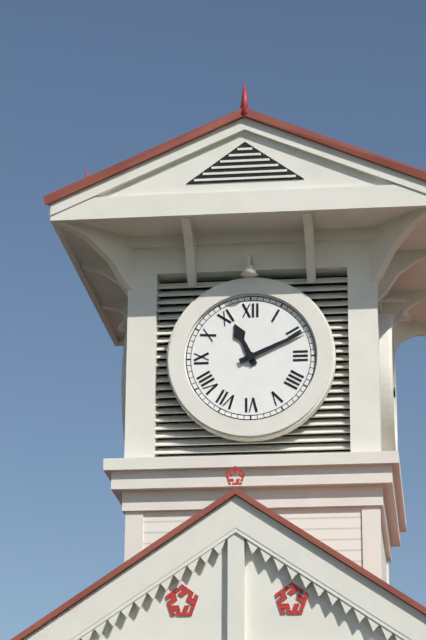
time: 11:11
